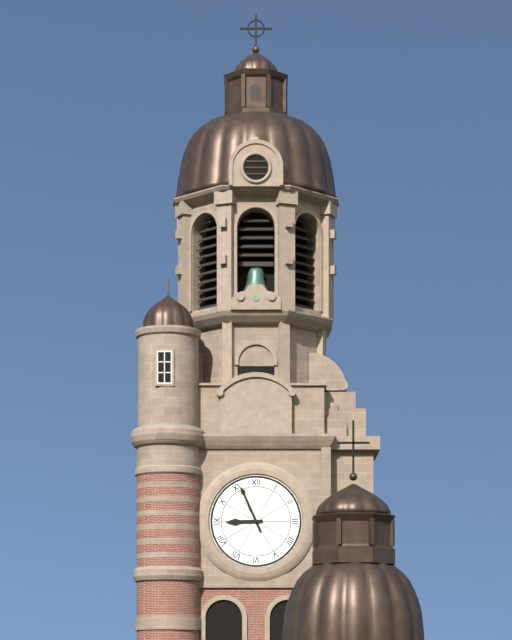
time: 8:56
